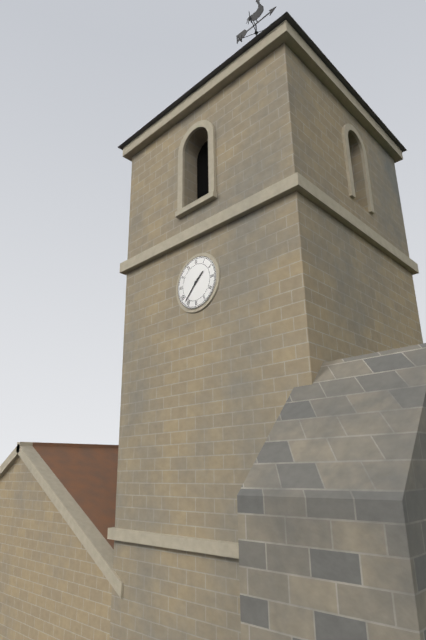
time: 1:37
